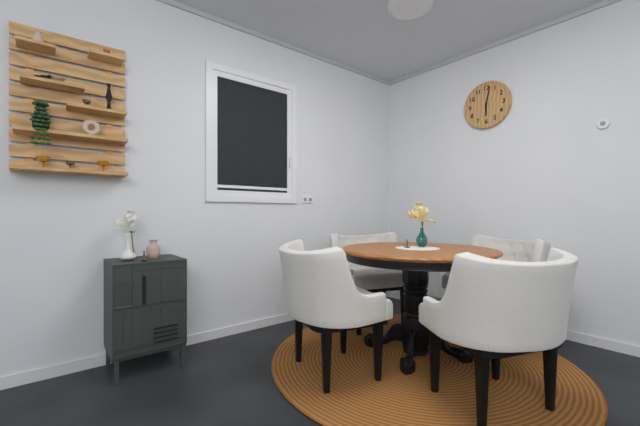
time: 6:02
